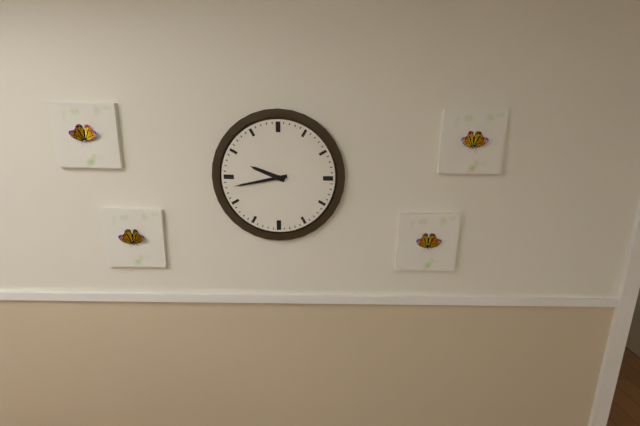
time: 9:43
